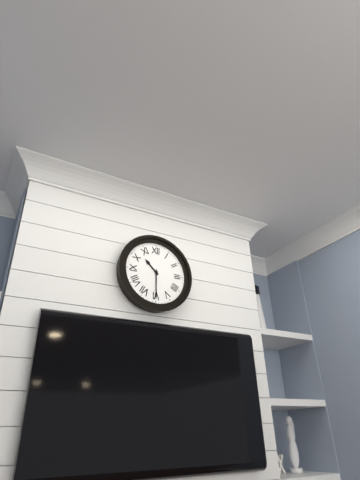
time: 10:30
